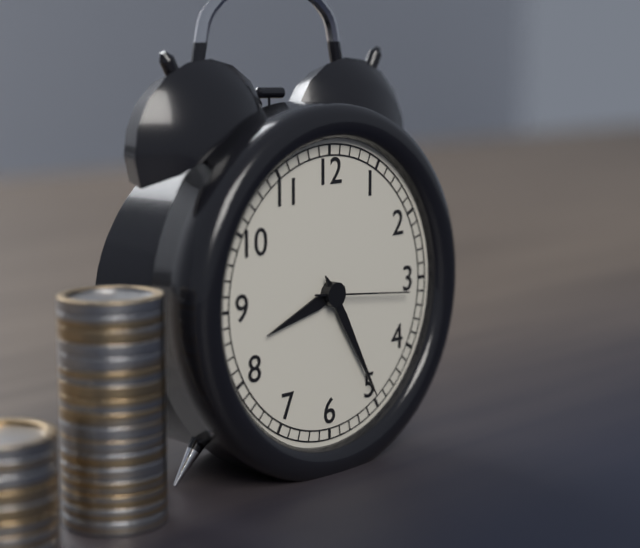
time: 8:25:16
